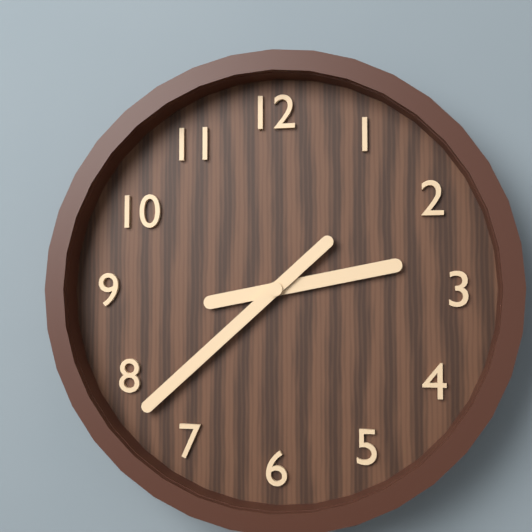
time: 2:38
